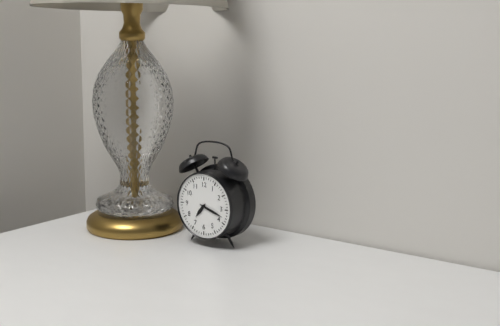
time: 7:18
